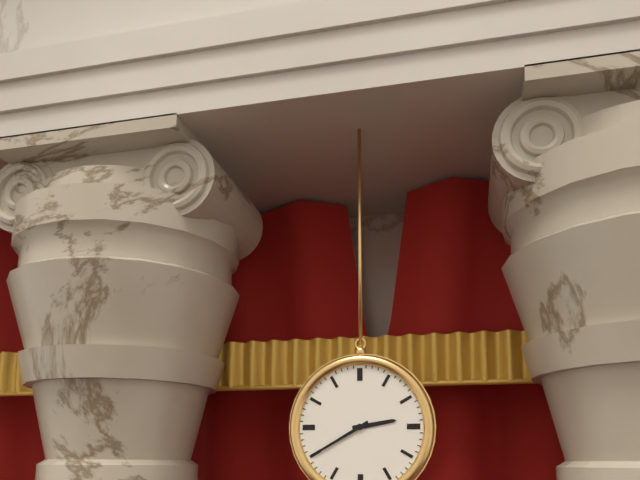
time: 2:40
